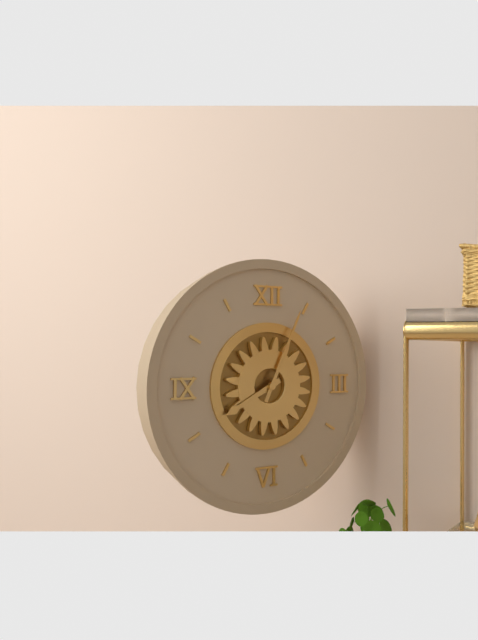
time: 8:04
